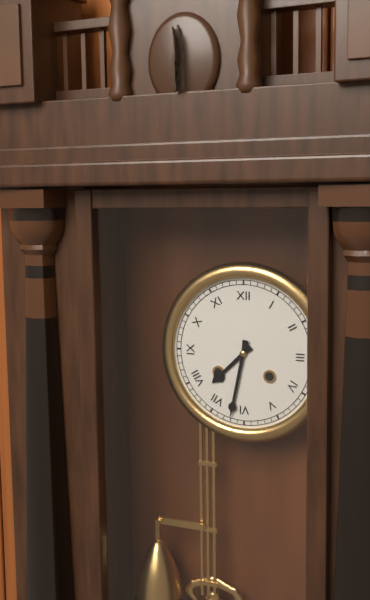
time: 7:32
